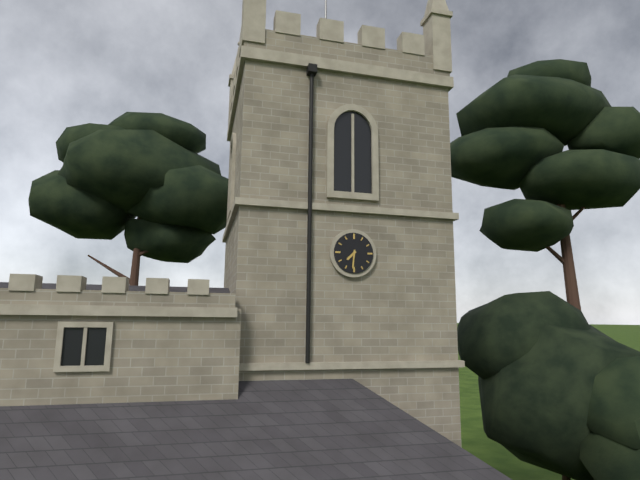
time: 7:31
